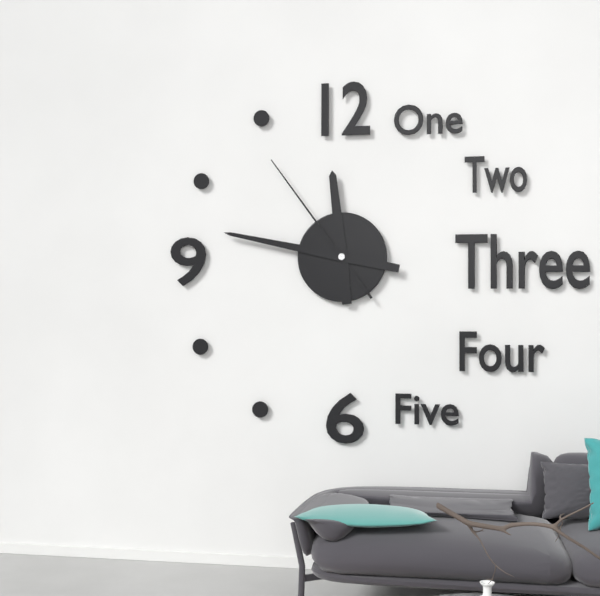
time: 11:47:54
